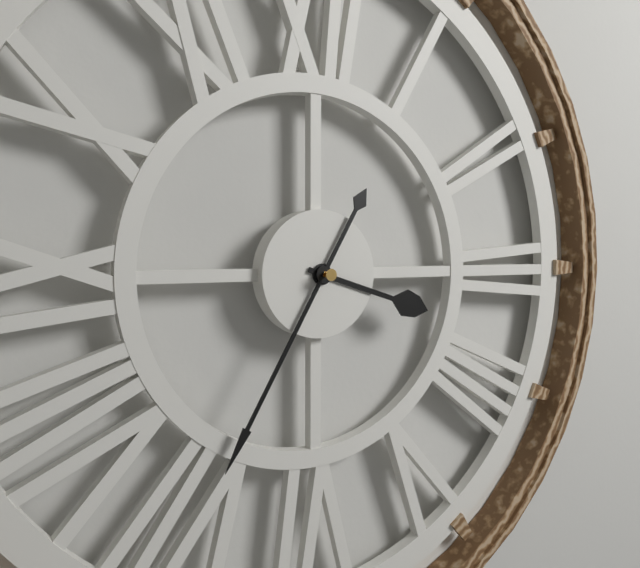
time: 3:35
